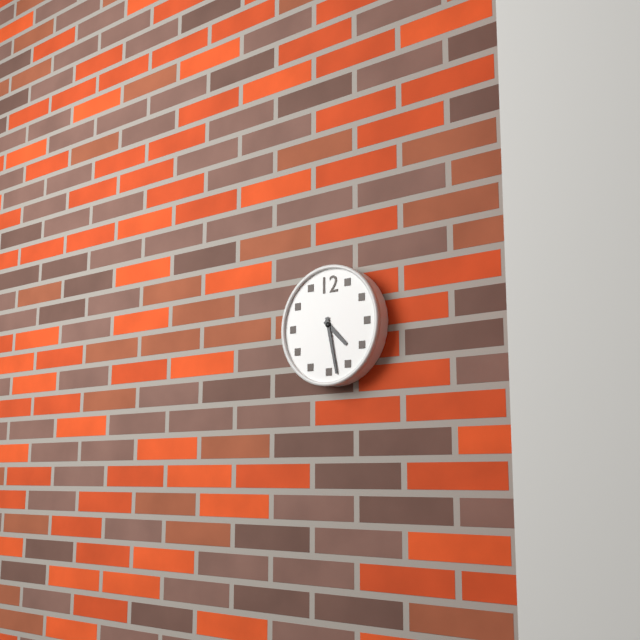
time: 4:28
